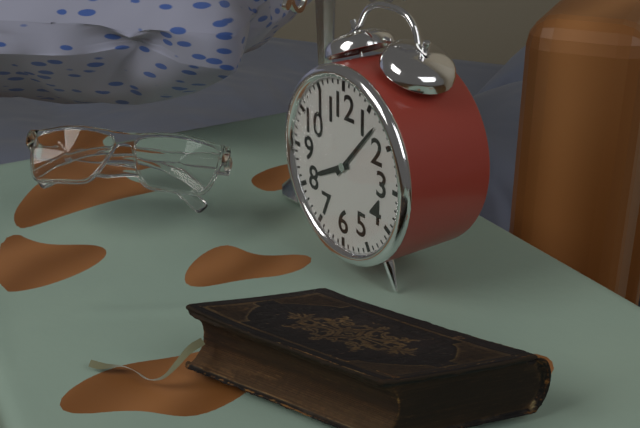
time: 8:07
